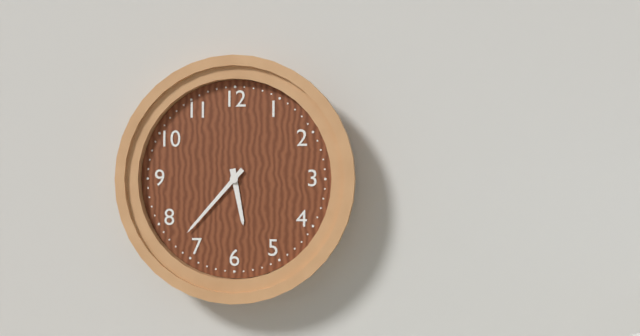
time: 5:37
